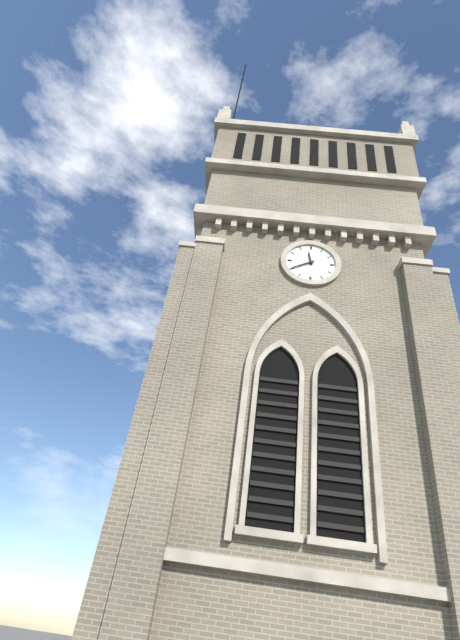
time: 11:40
